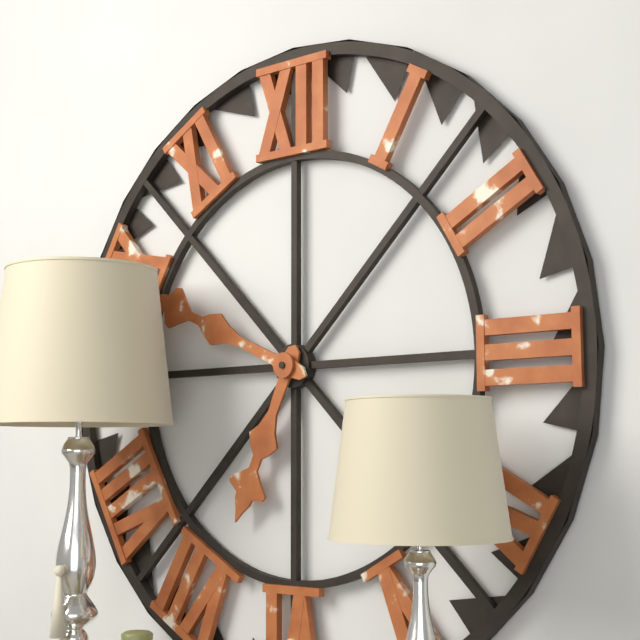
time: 6:49
